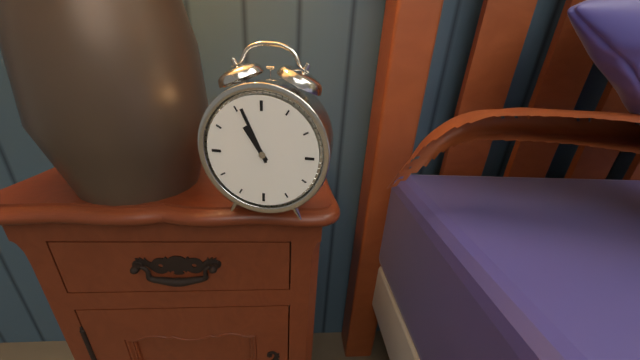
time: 10:56
